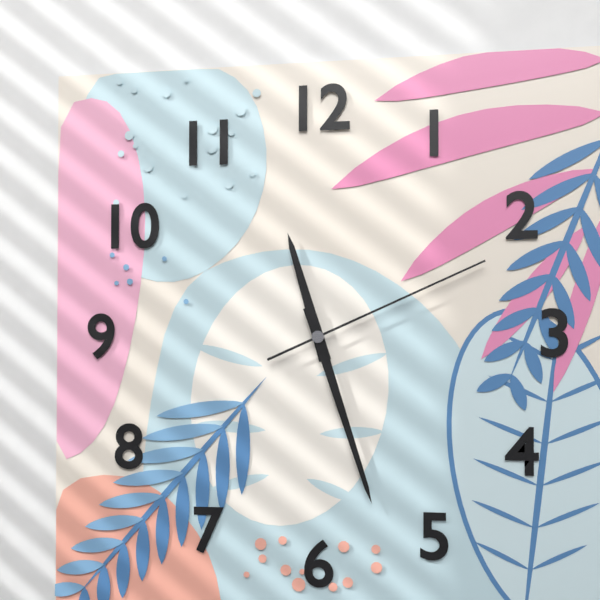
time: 11:27:11
